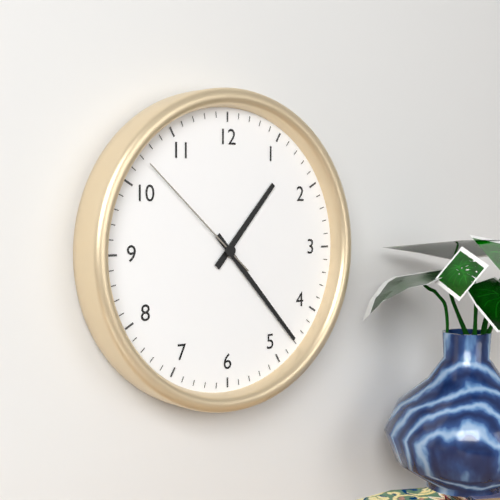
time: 1:23:52
